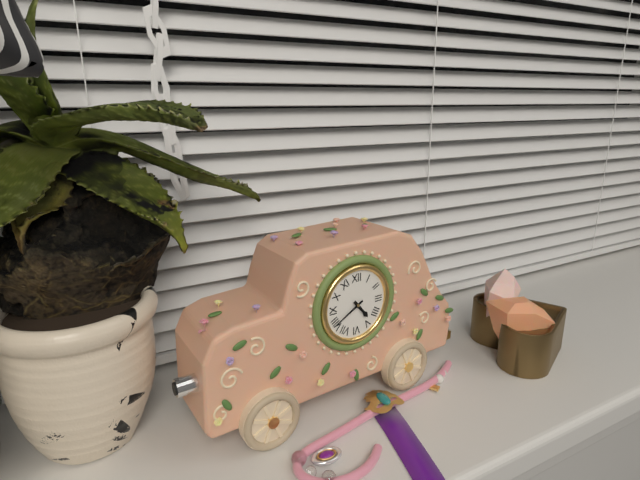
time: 4:40
